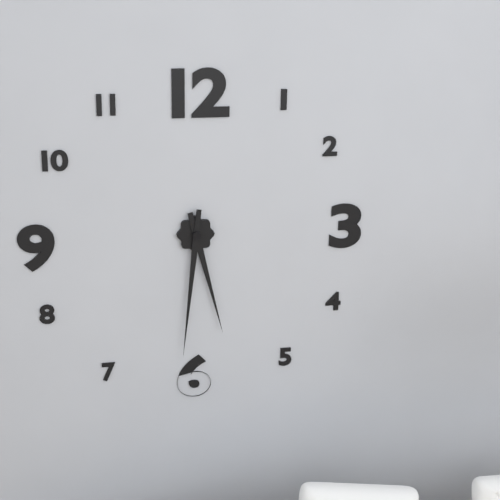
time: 5:31
